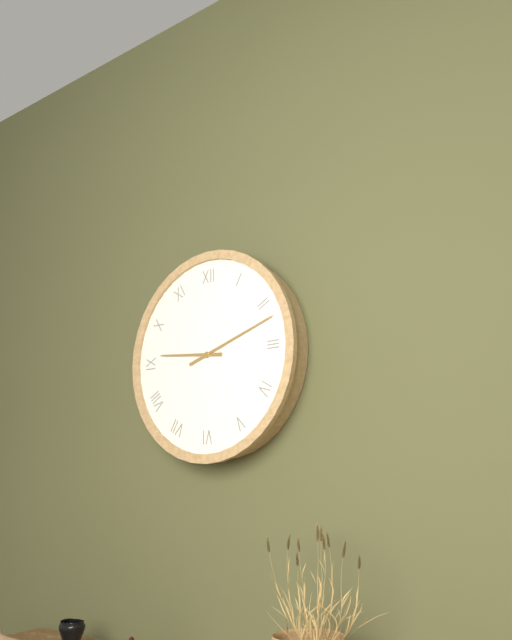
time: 9:12
